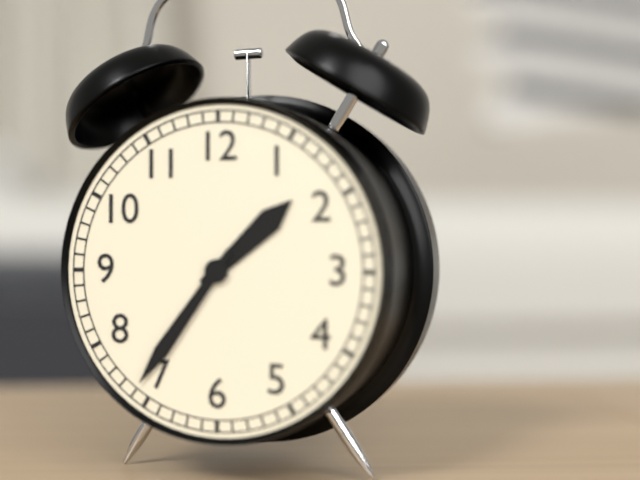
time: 1:36
